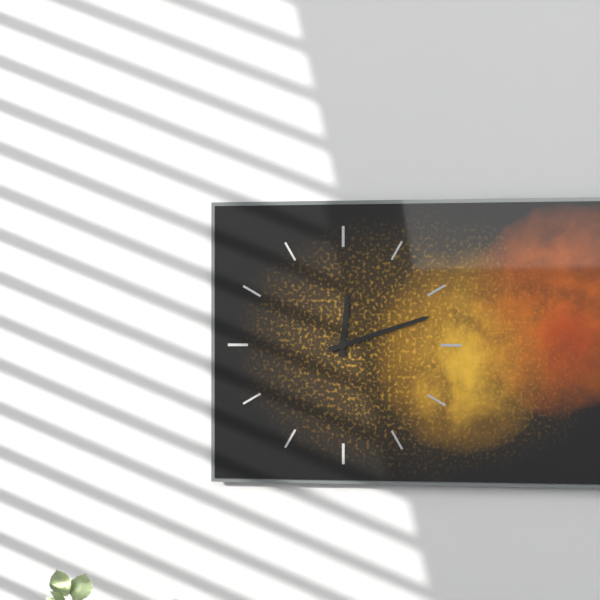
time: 12:12
